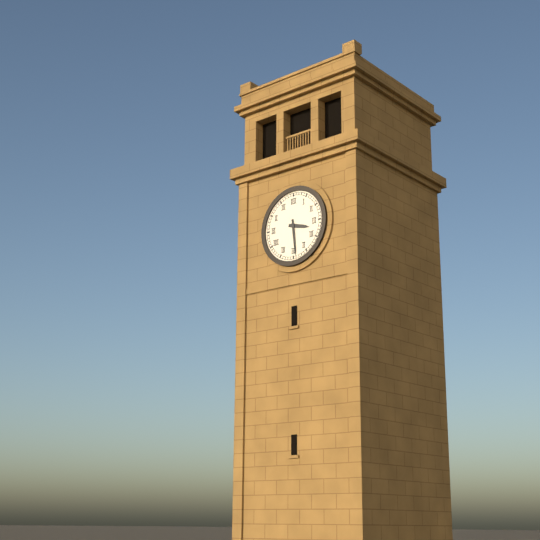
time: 3:29
